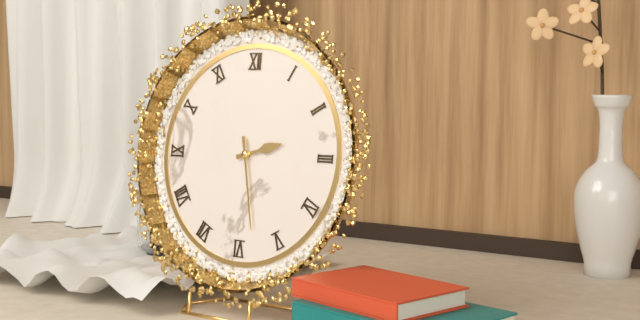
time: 2:28
